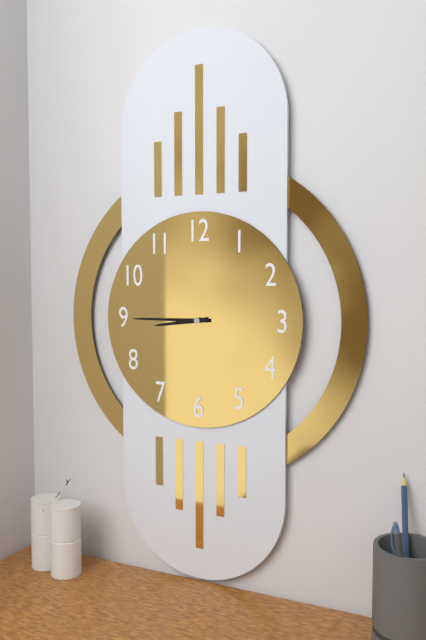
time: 8:45
